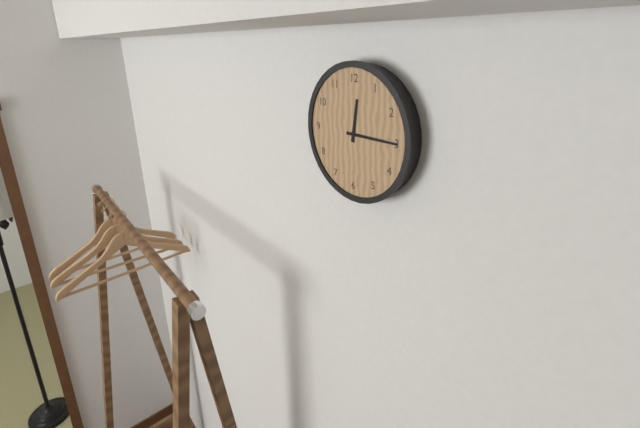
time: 12:15
